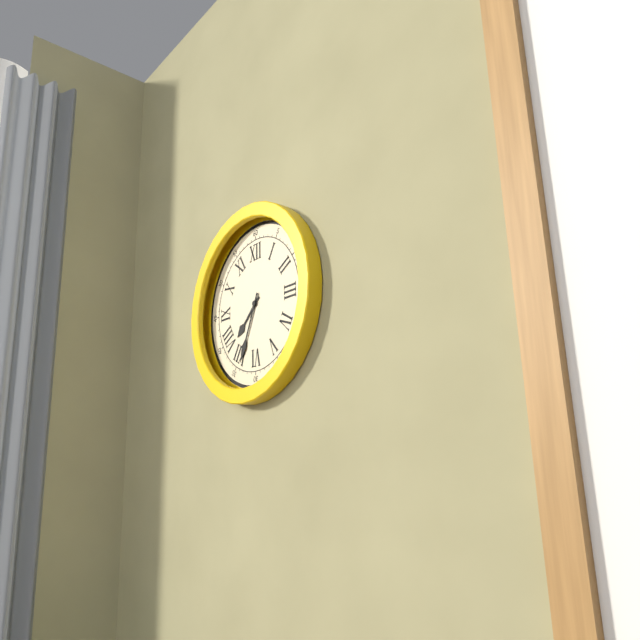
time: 7:34
